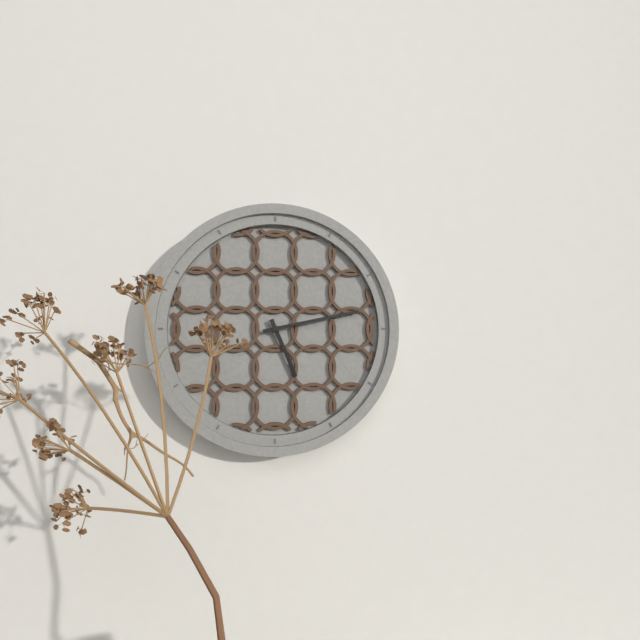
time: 5:13
